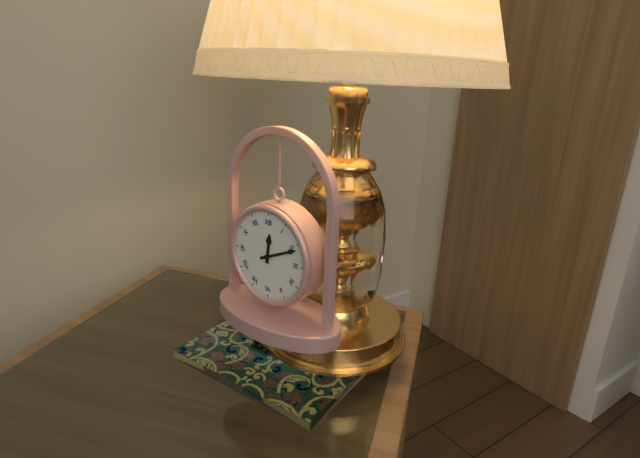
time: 12:11
